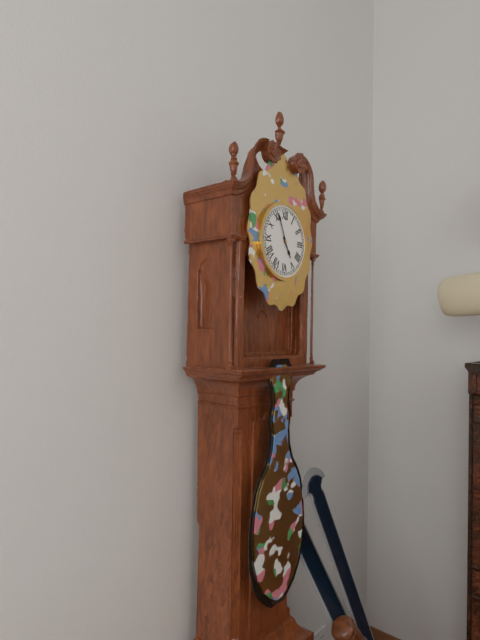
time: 4:56
